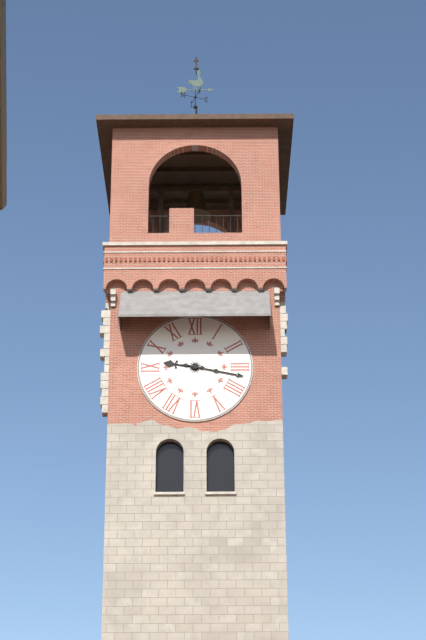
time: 9:17
